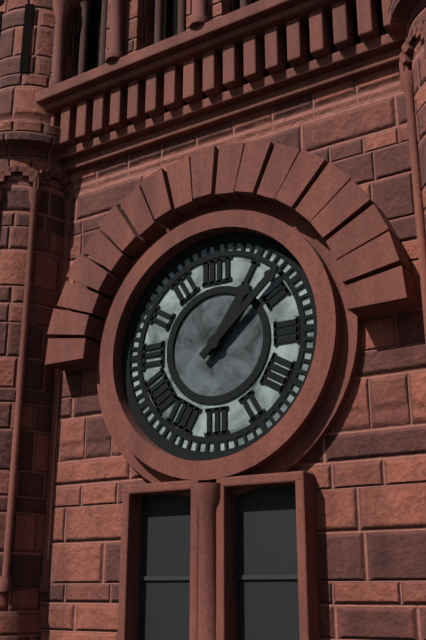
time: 1:08
